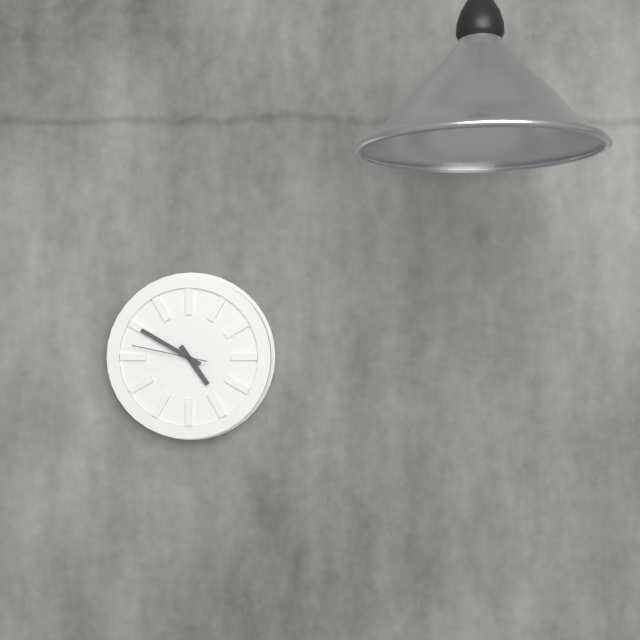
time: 4:50:47
